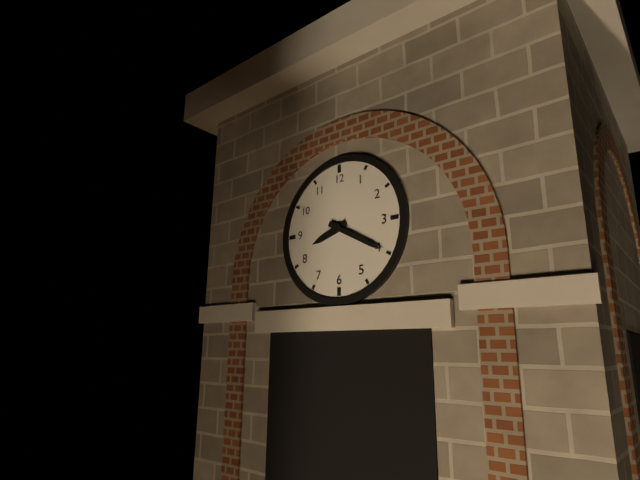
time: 8:20
